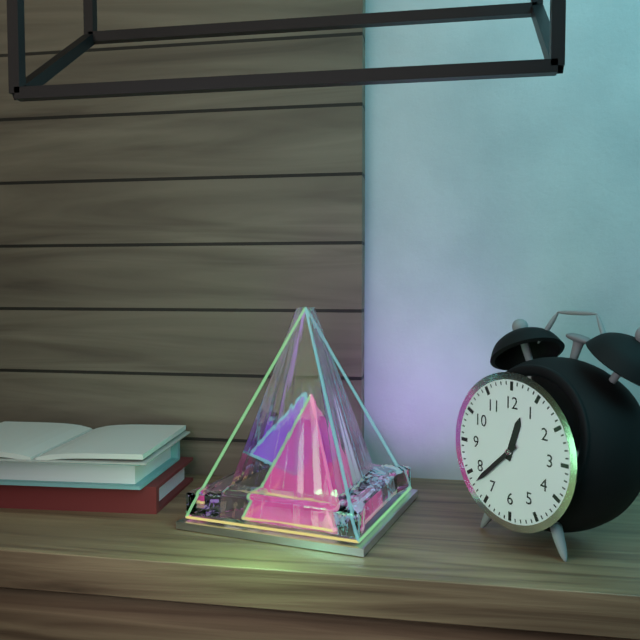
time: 12:38
